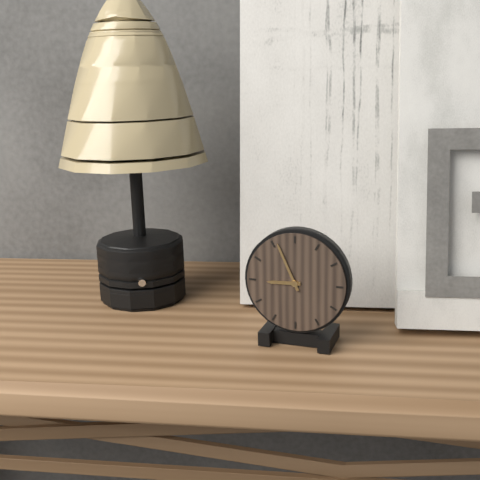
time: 8:56
